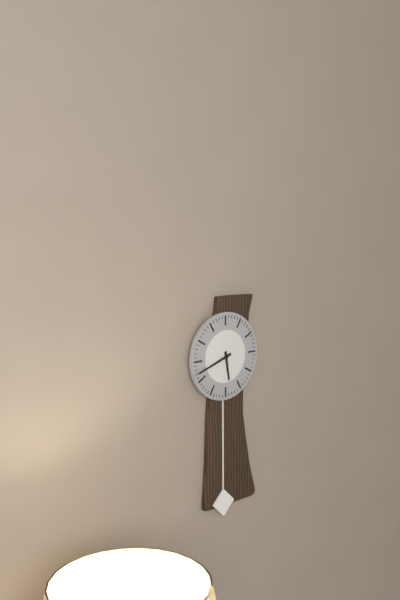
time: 5:42
